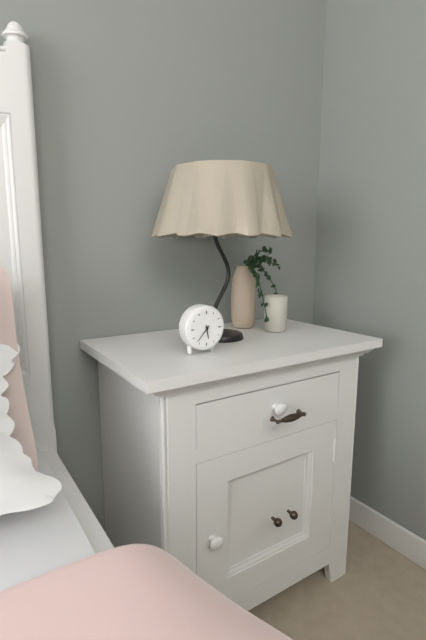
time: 5:37
